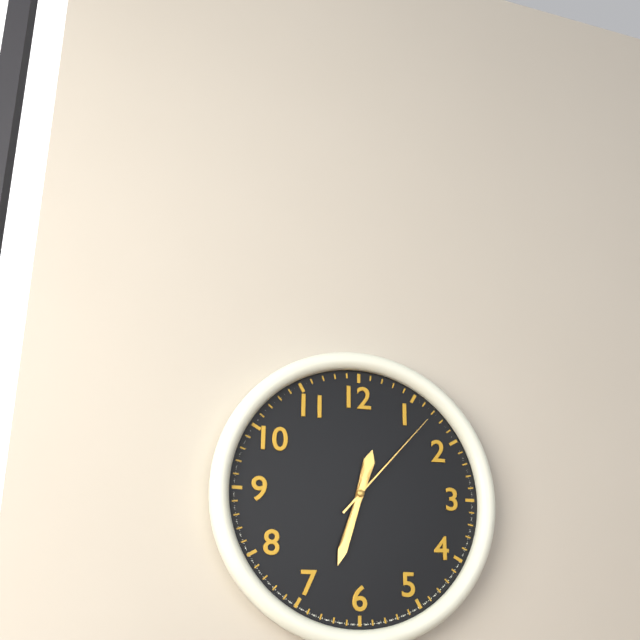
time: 12:33:07
